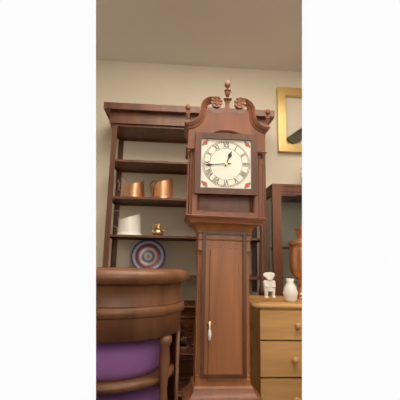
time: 12:44
